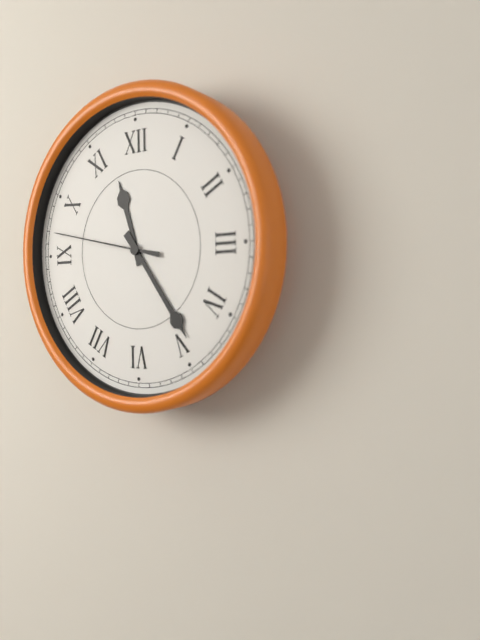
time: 11:24:47
